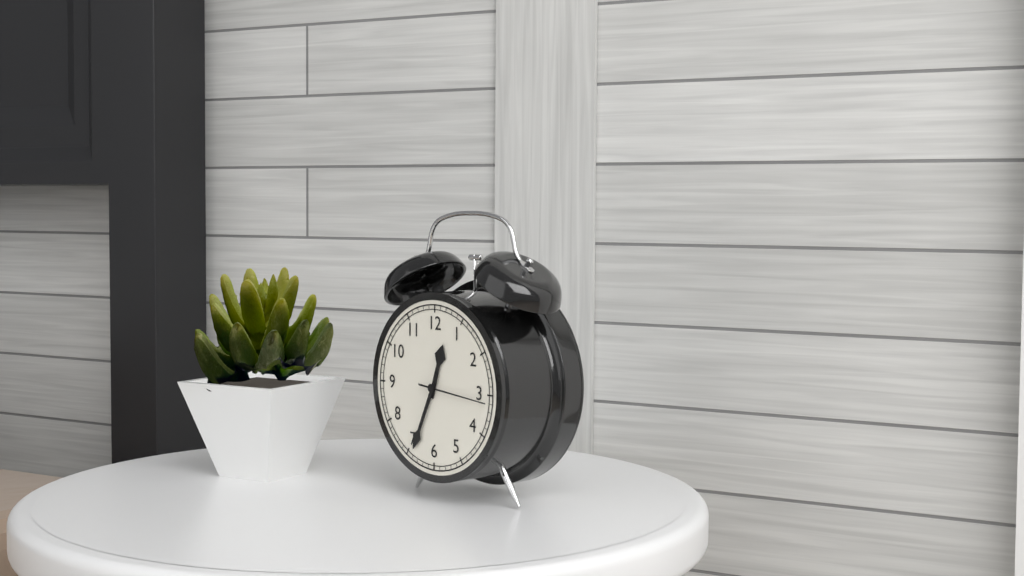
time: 12:34:16
